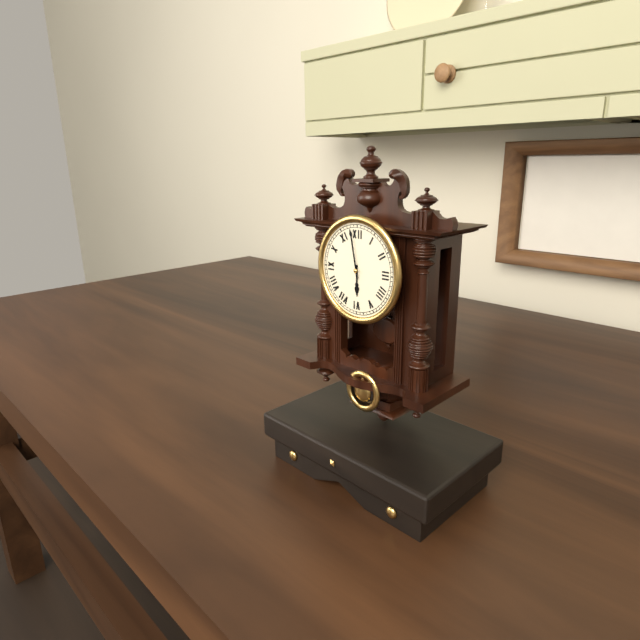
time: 5:58
